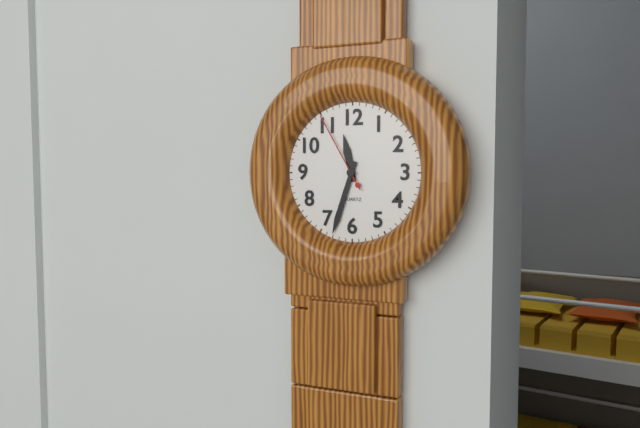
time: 11:33:55
